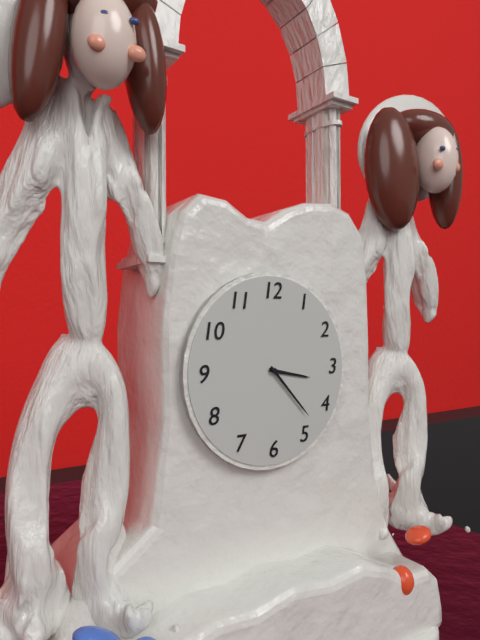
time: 3:23
